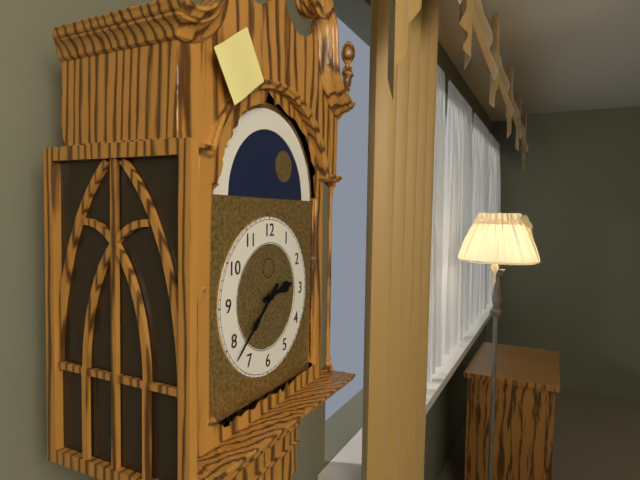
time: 2:38
